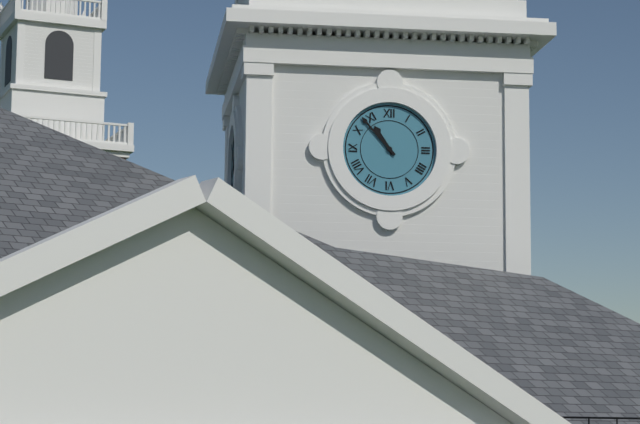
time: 10:53
